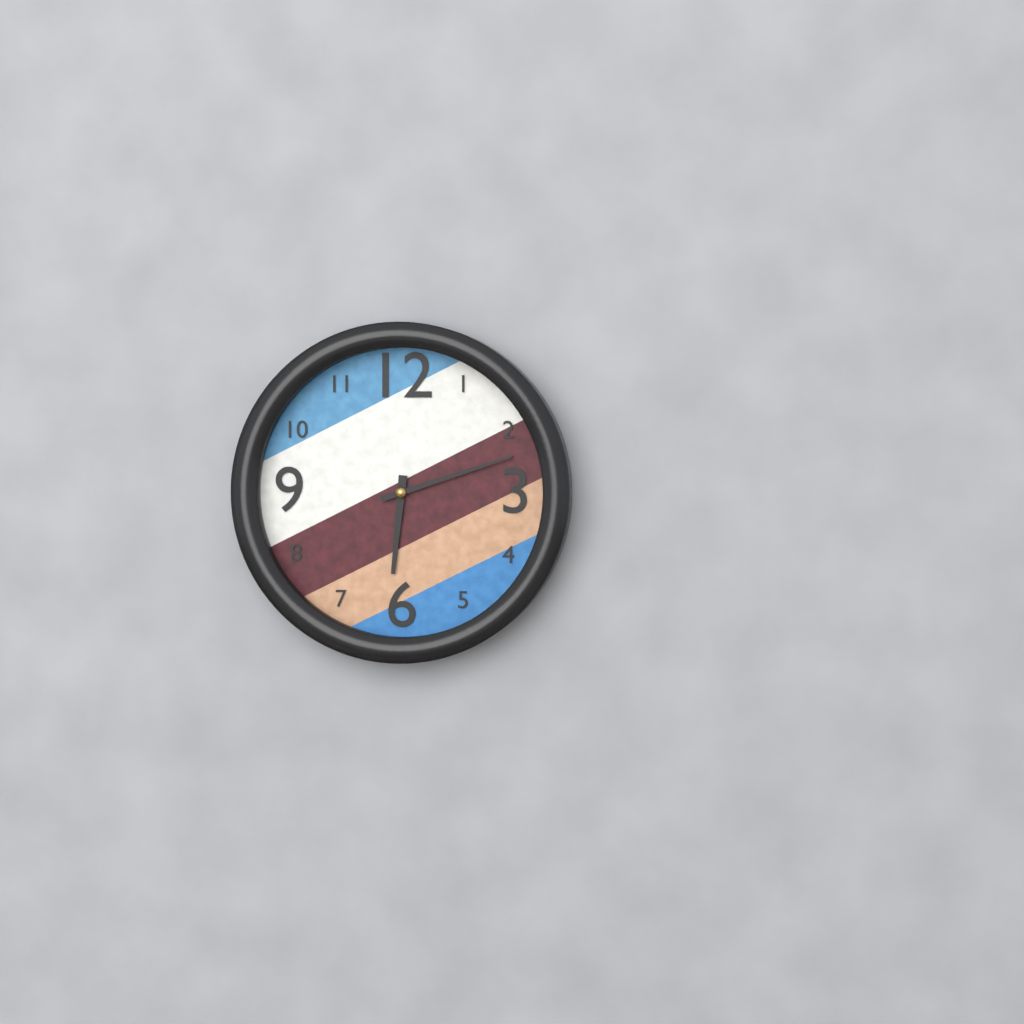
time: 6:12
